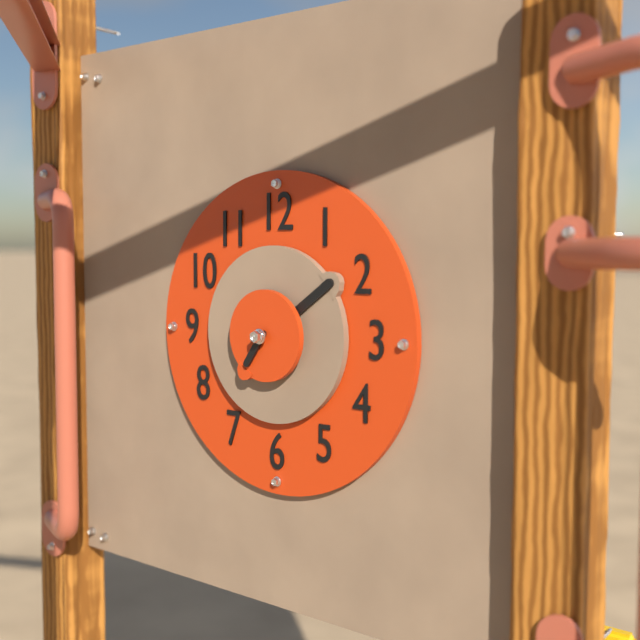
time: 7:09
